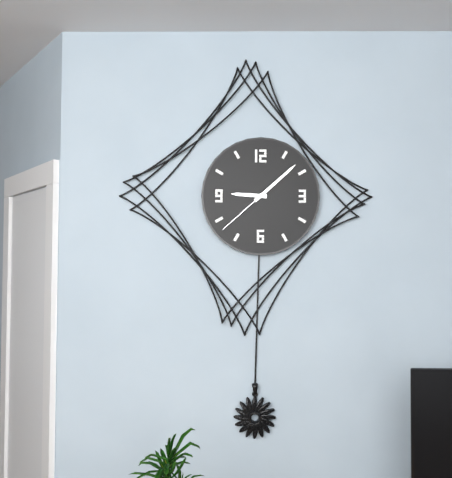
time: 9:08:38
